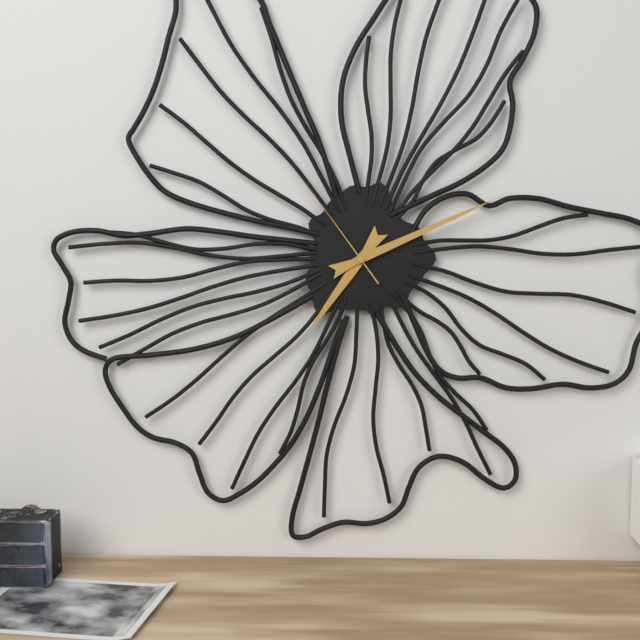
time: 7:11:54
